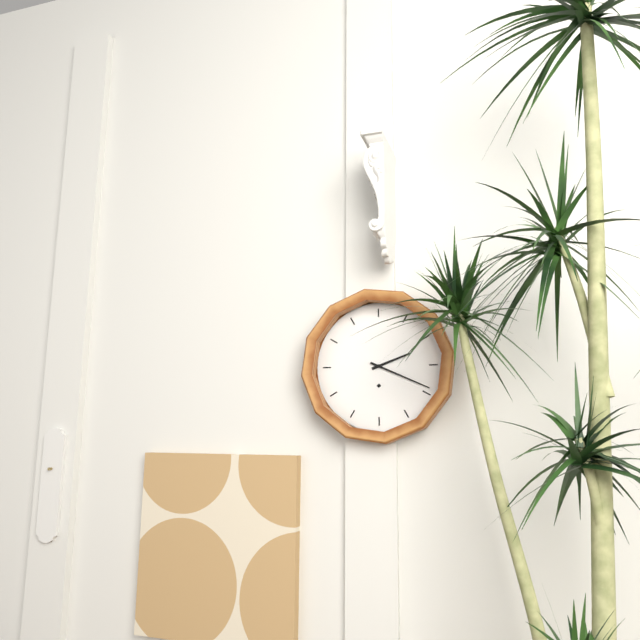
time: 2:19
